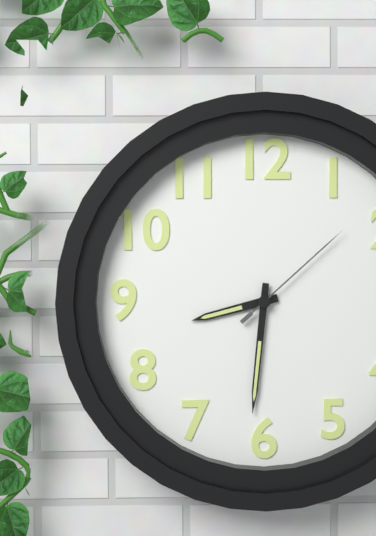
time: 8:31:08
